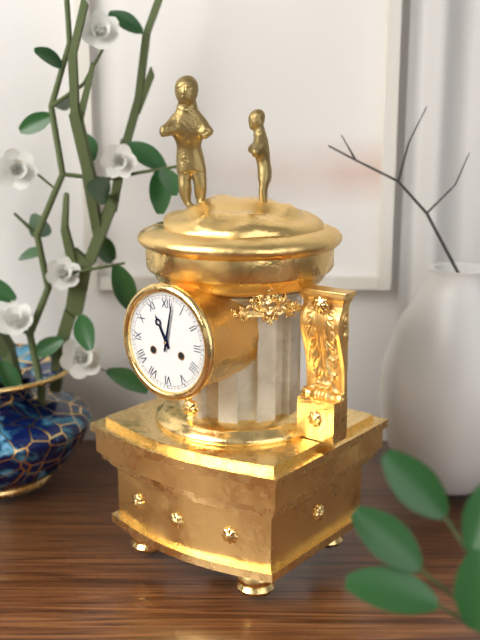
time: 11:02
